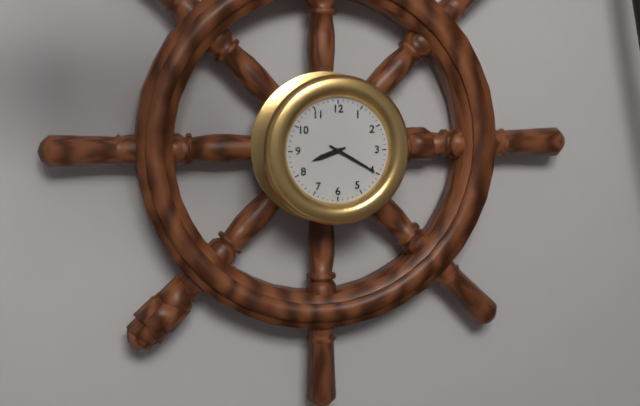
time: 8:20
